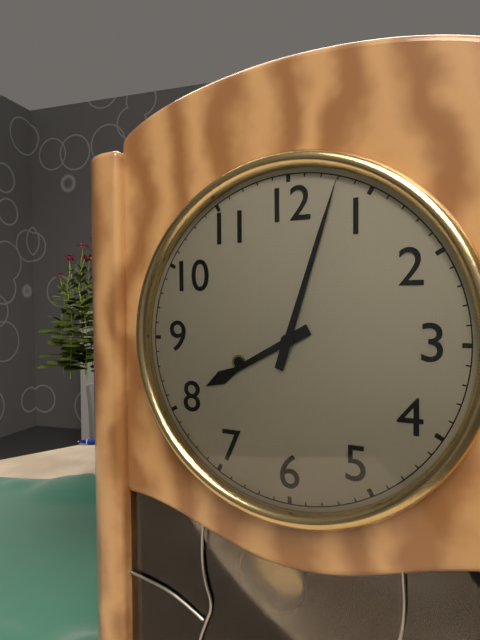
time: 8:03
